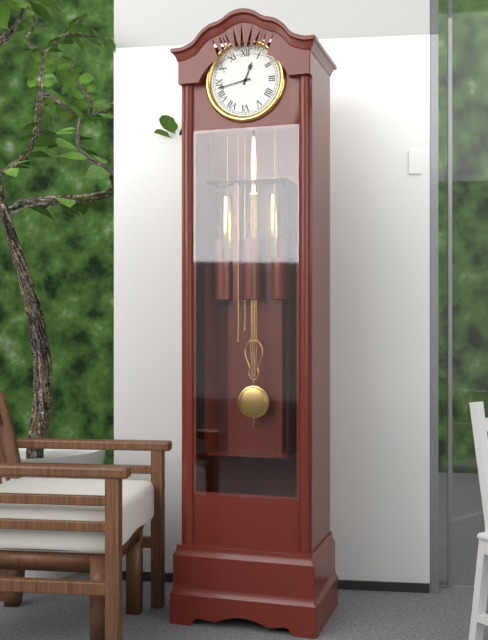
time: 12:43
